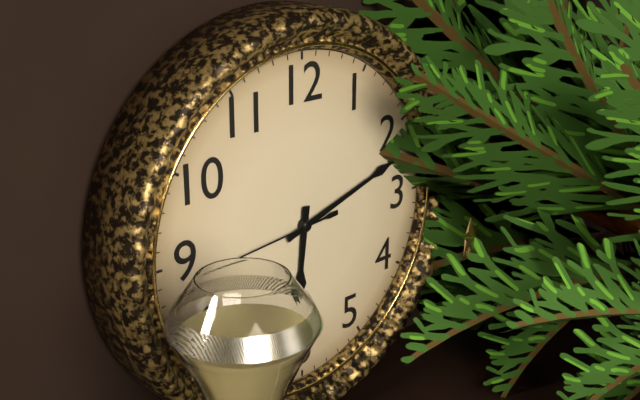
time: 6:12:44
